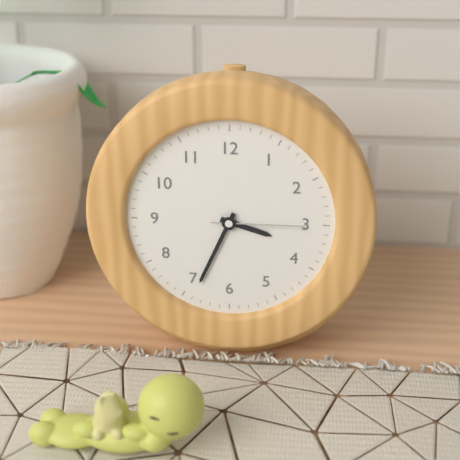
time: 3:34:15
